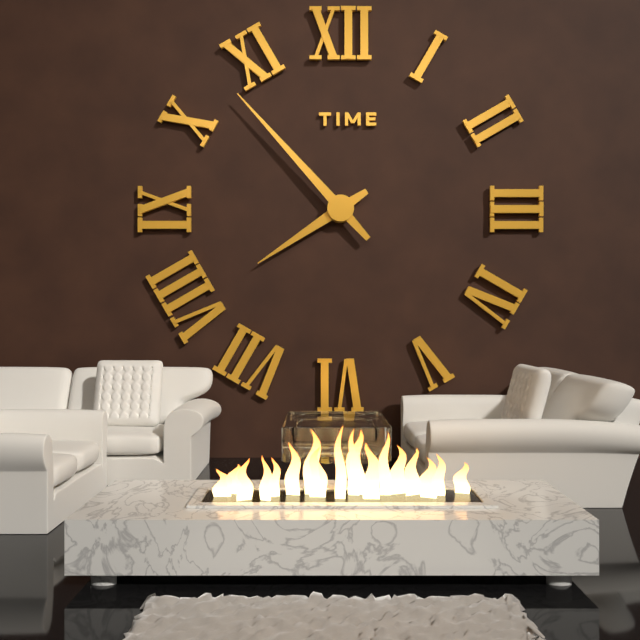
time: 7:53
